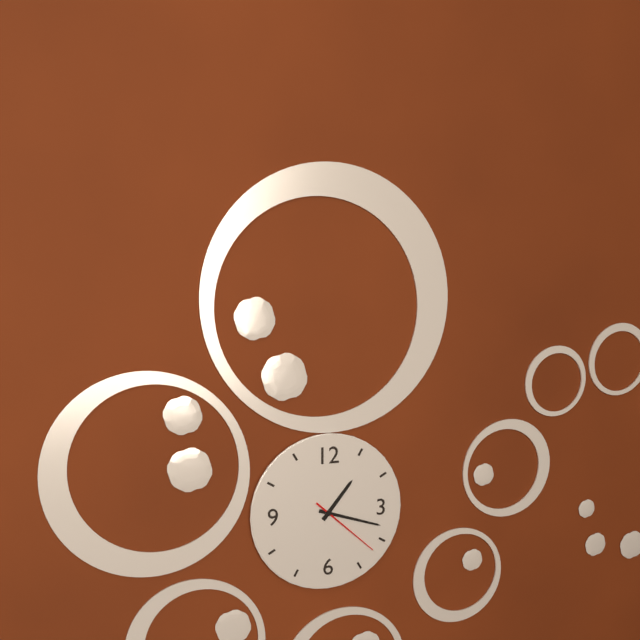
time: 1:18:22
